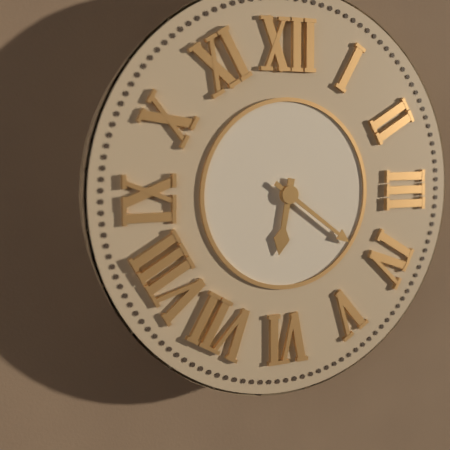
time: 6:21
